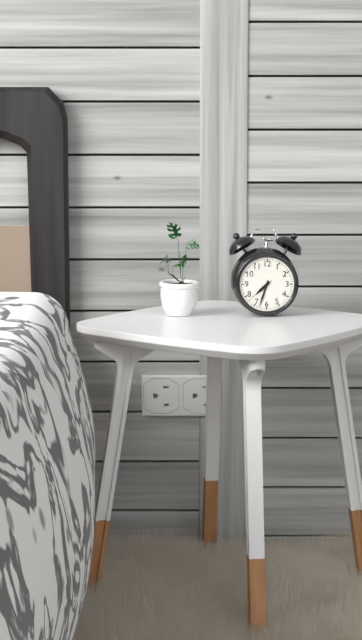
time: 7:33
